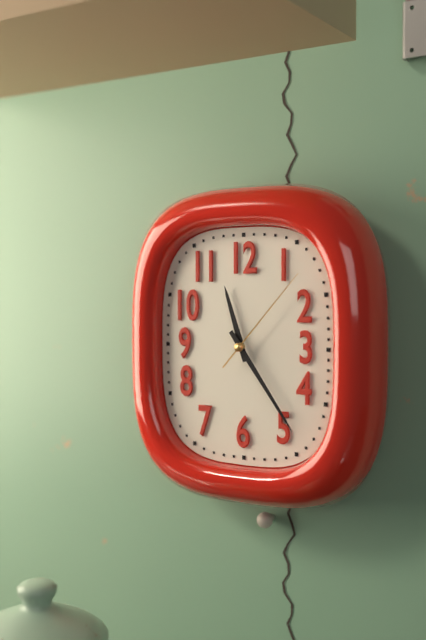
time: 11:24:07
